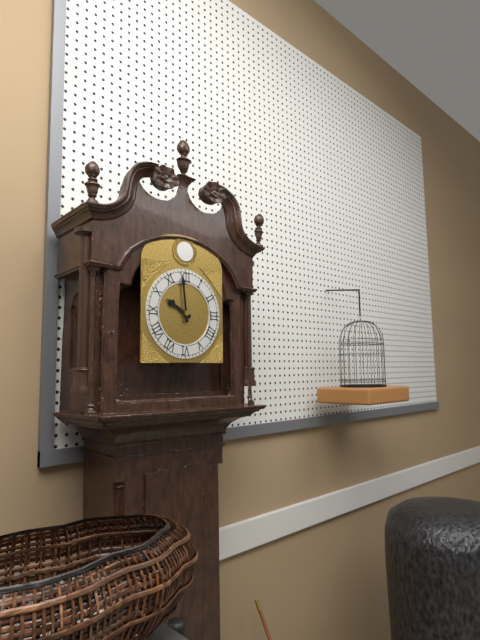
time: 9:59
